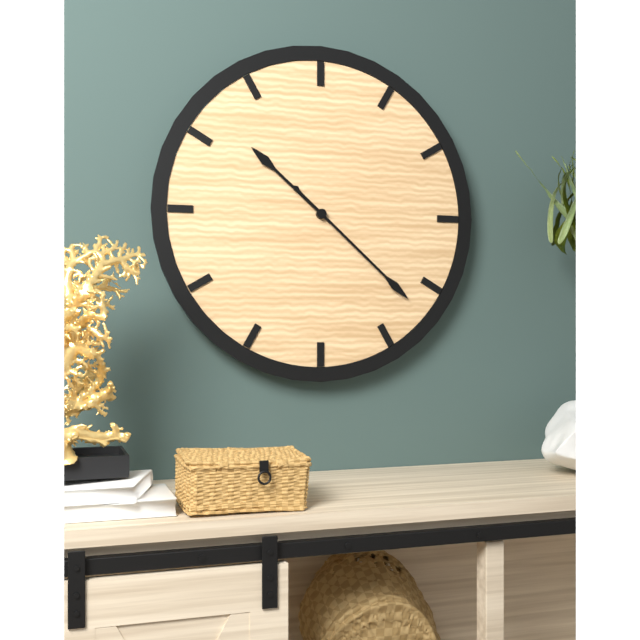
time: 10:22
